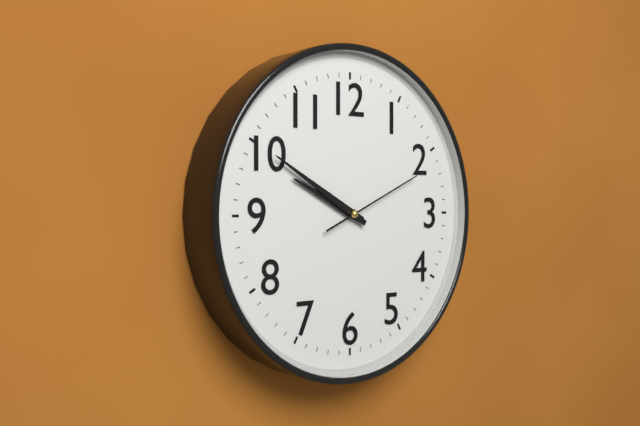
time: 9:50:11
